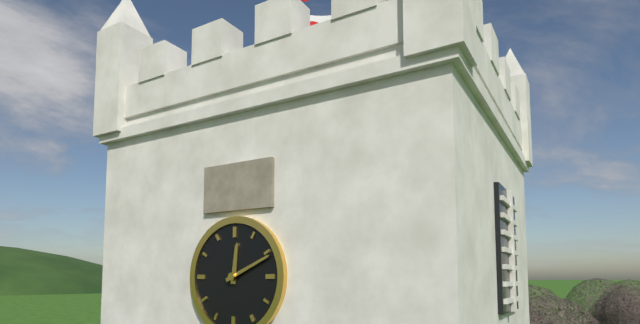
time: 12:11
